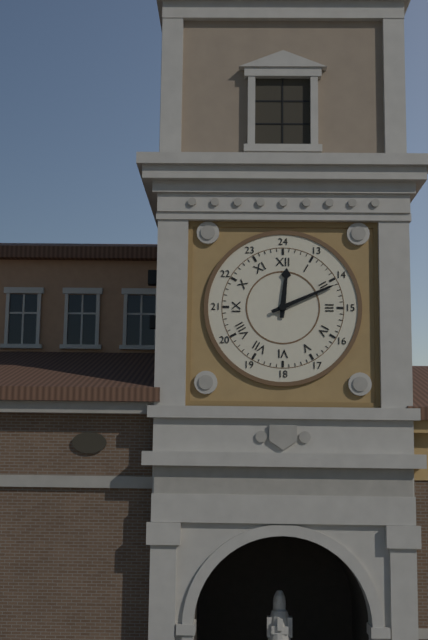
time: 12:11
